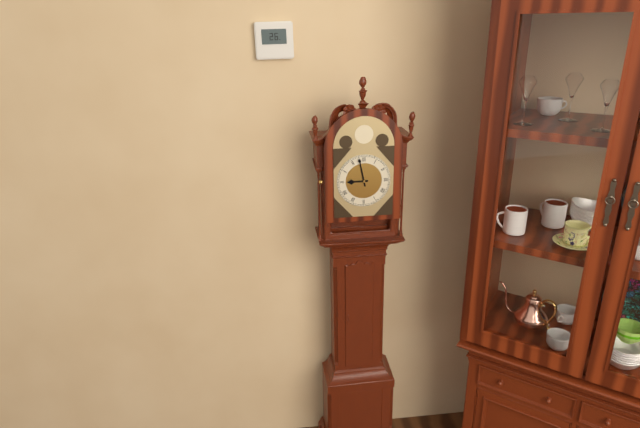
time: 8:58
